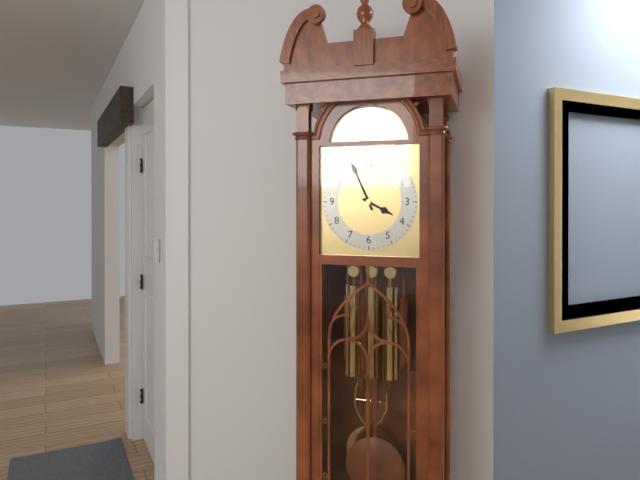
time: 3:56
